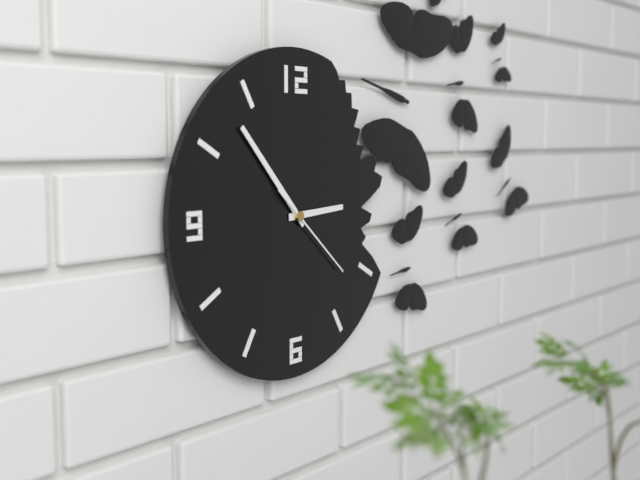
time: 2:53:22
